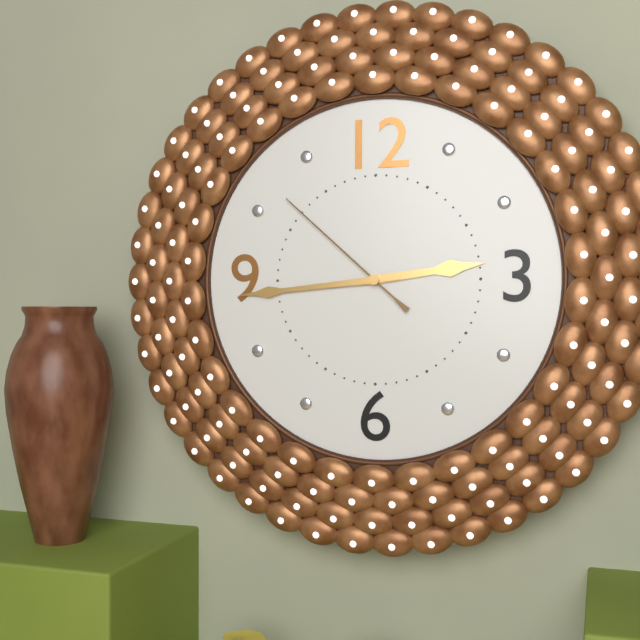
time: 2:44:52
